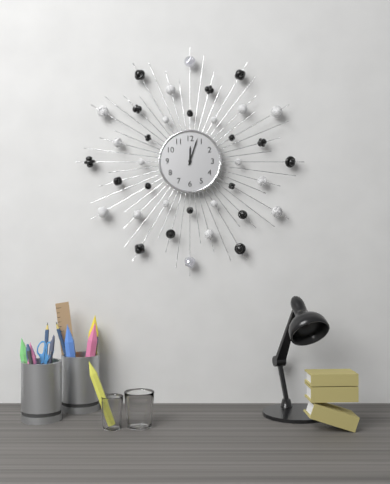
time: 12:03
